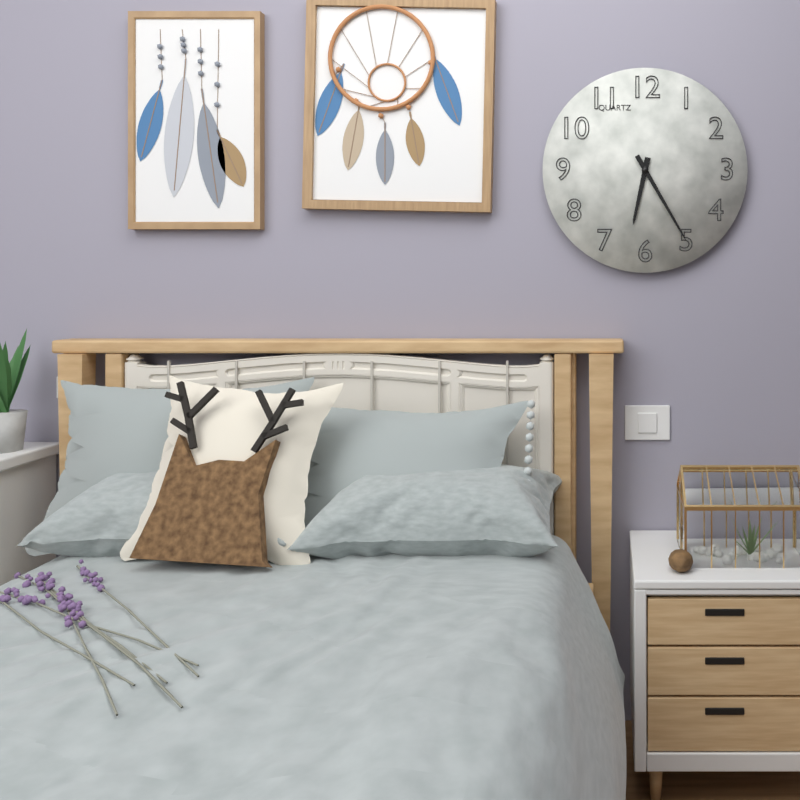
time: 6:25
